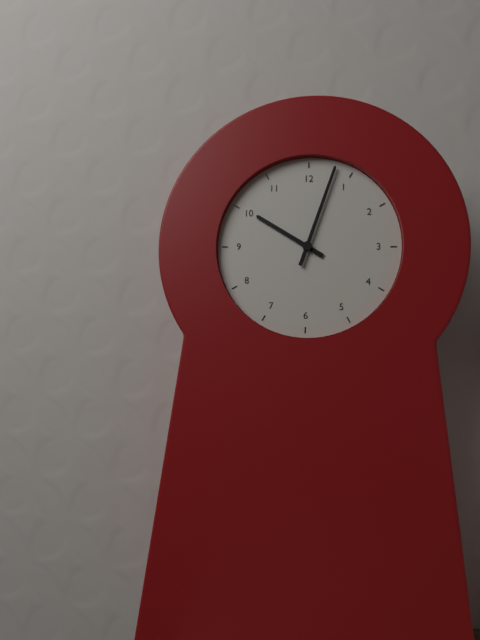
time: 10:03
